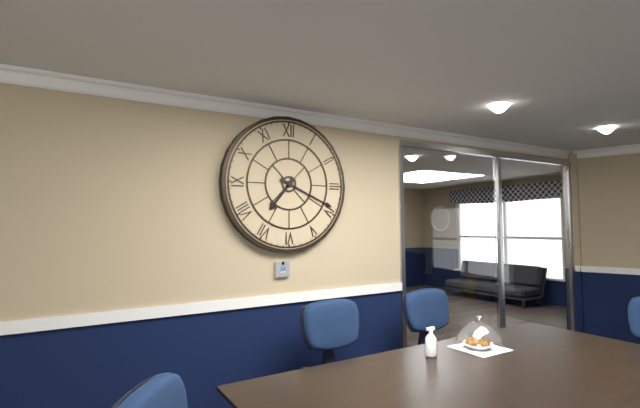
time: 7:19
